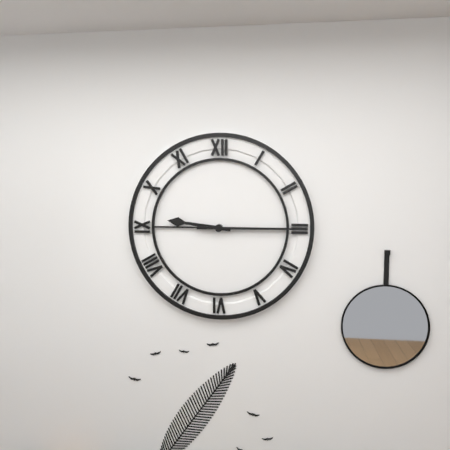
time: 9:15
